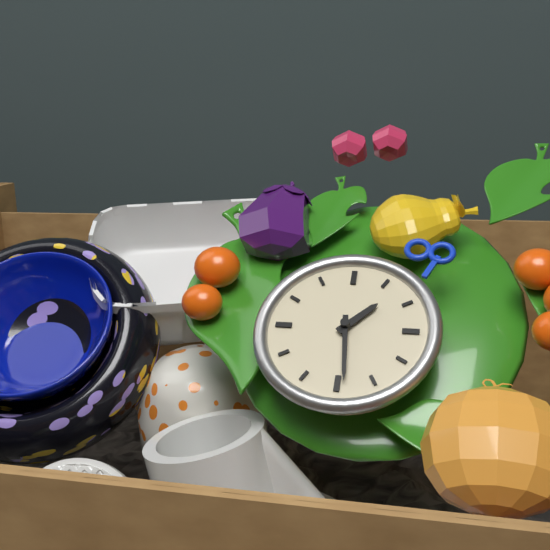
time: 1:29
